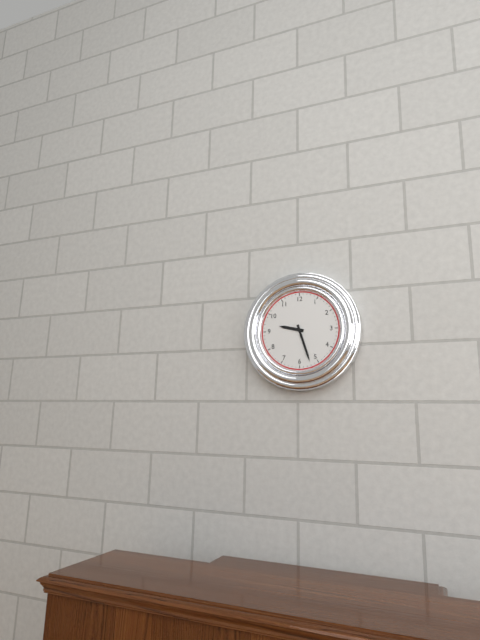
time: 9:27
